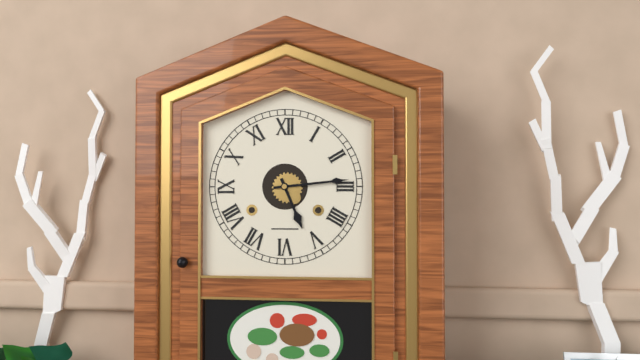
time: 5:14
